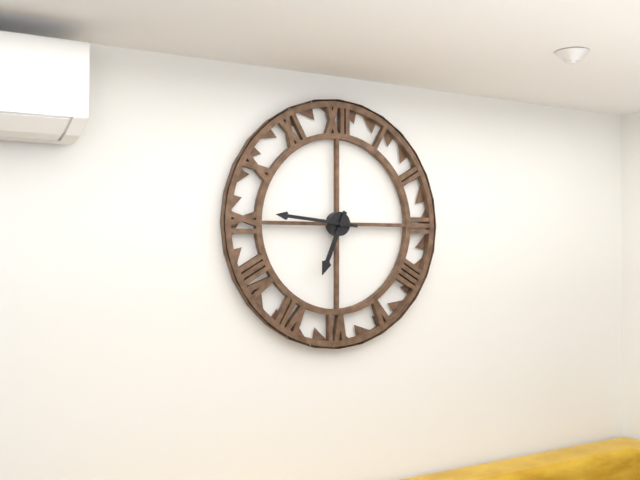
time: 6:46
